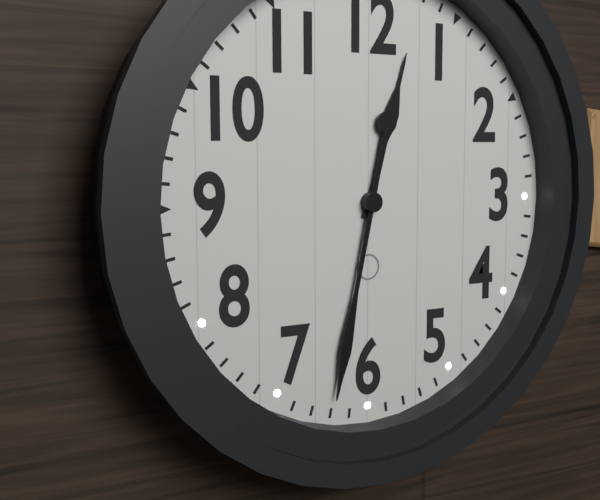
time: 12:32
